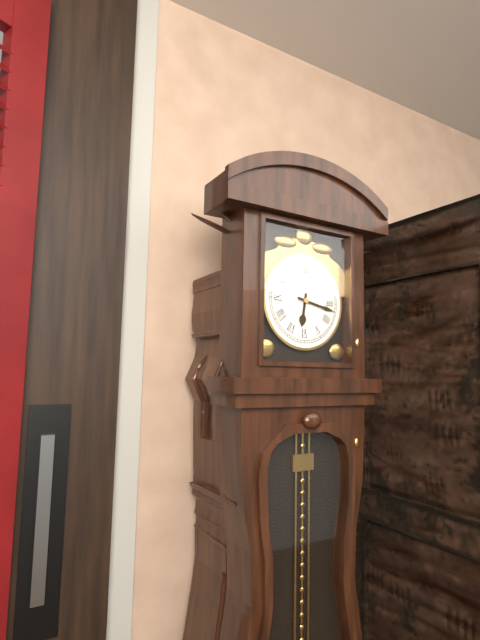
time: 6:17
